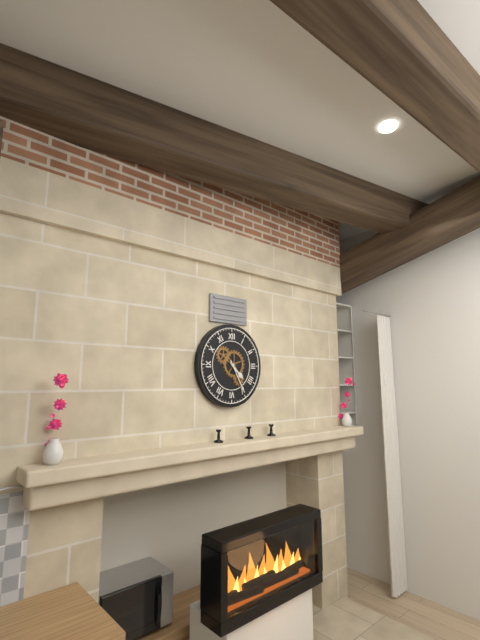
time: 4:25
